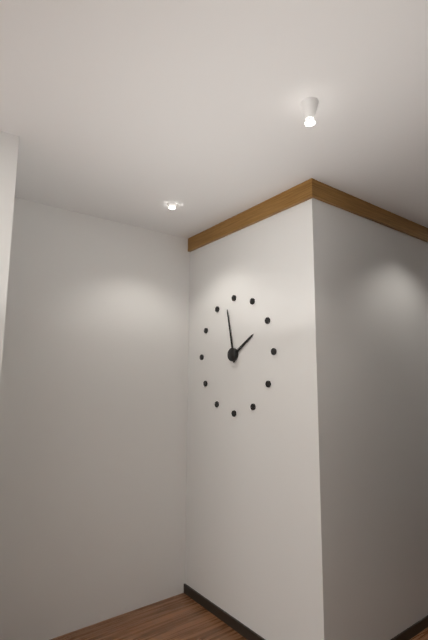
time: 1:58
